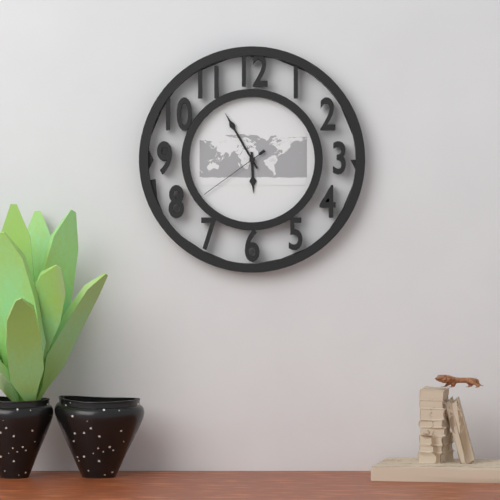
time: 5:55:39
